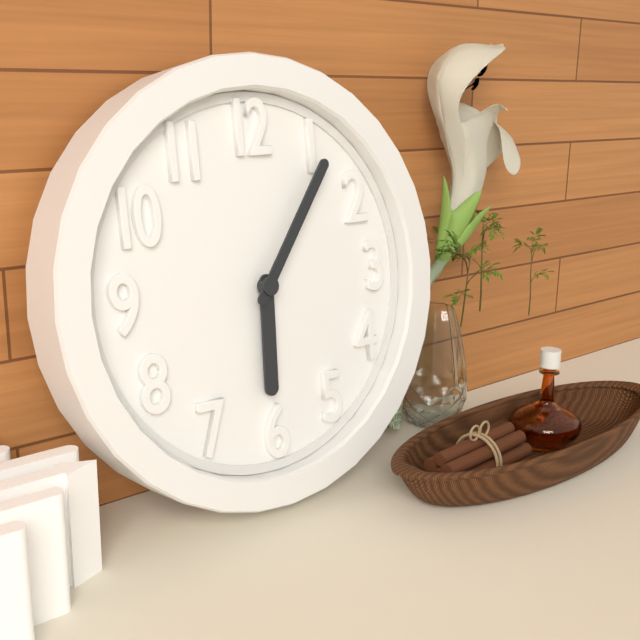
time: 6:06
